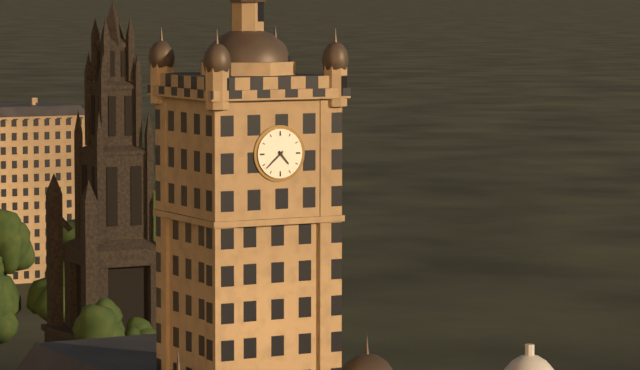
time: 4:38
